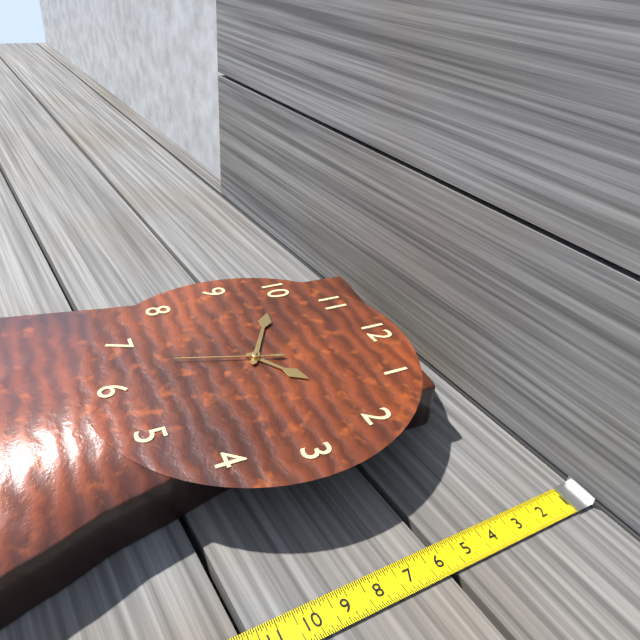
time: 1:50:33
